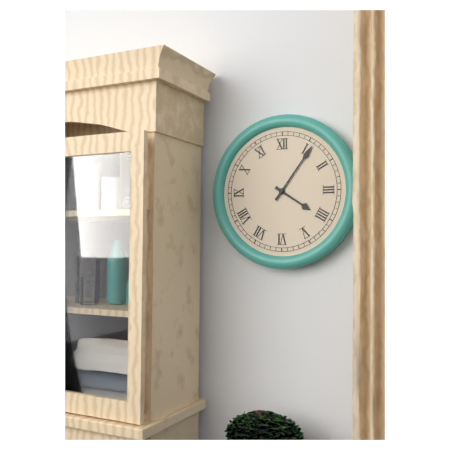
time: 4:06
